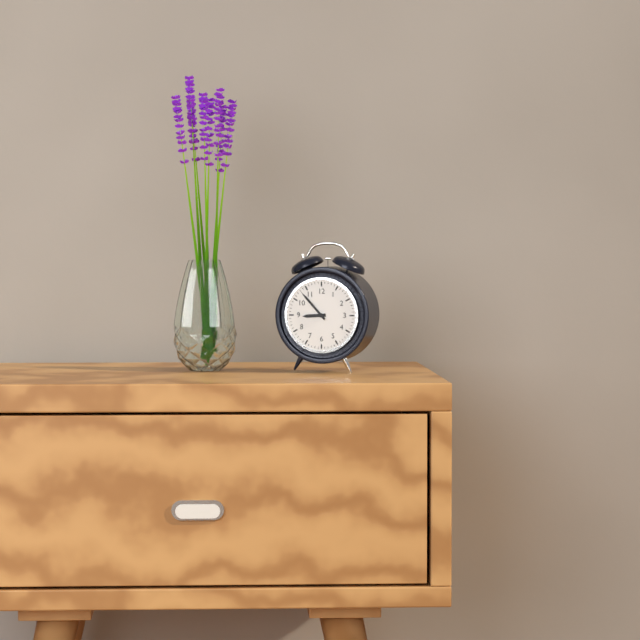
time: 8:53
